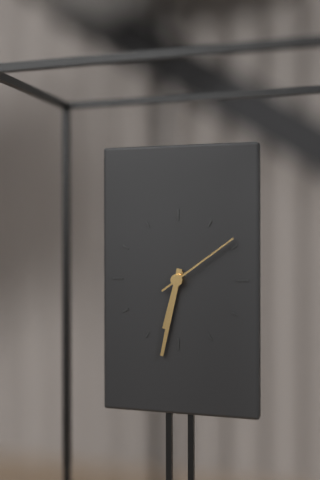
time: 6:32:09
